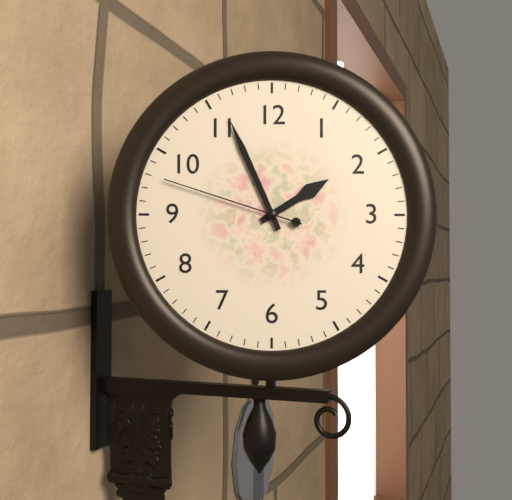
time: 1:56:48
